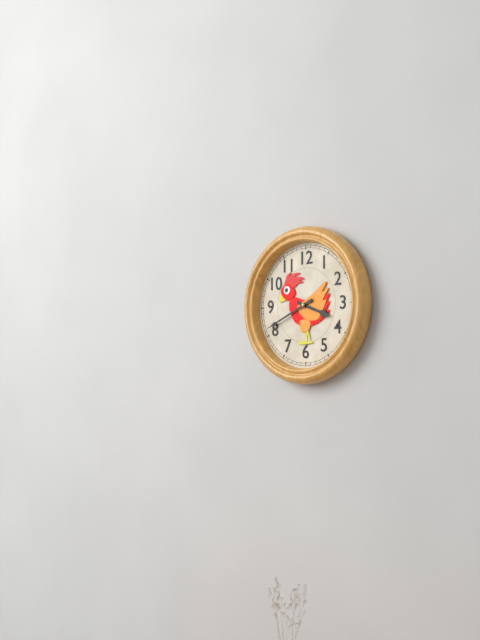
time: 3:41
